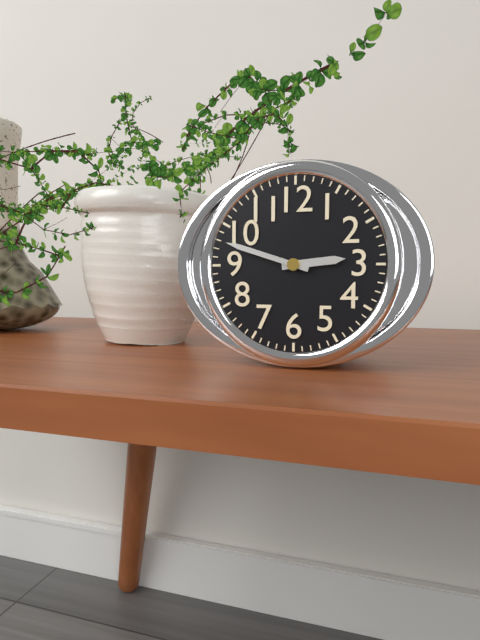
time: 2:48
